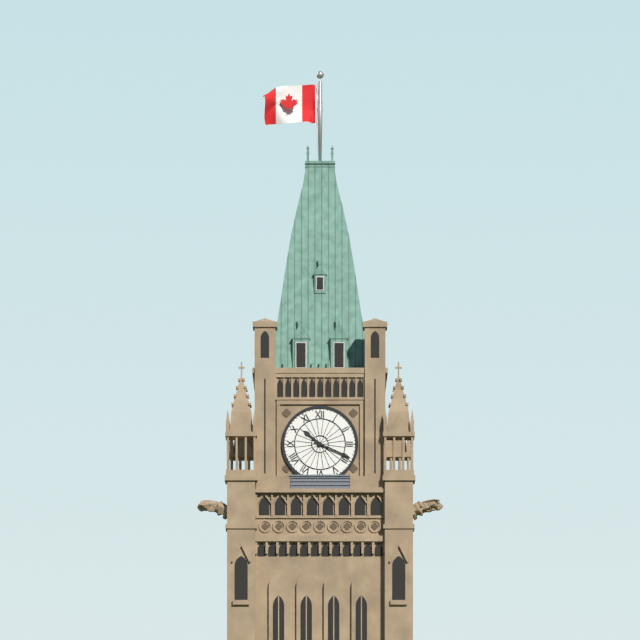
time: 10:19
